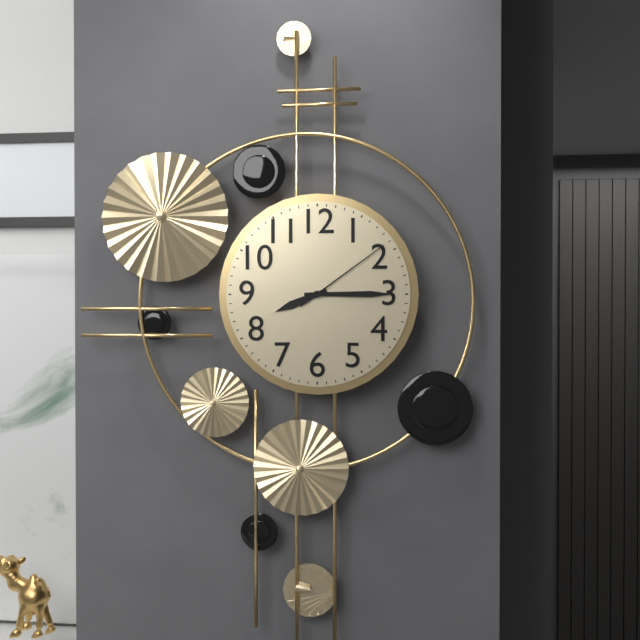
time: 8:15:09
